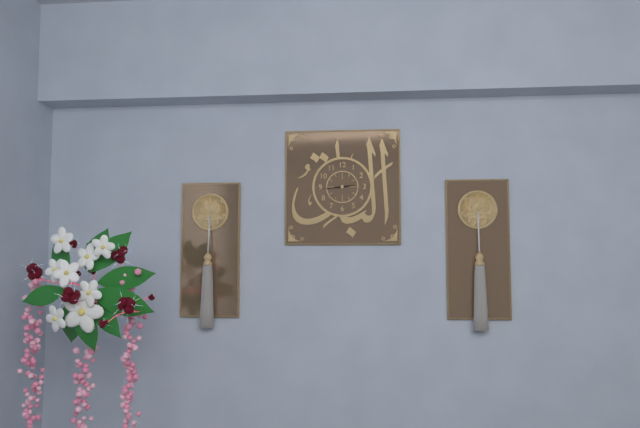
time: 2:44
